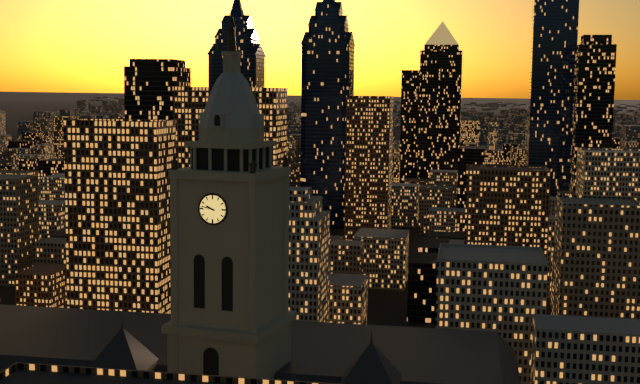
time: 9:47
